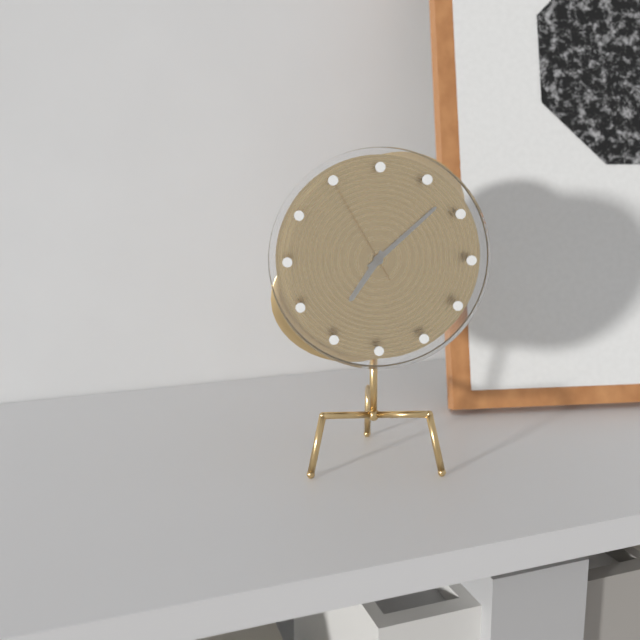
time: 7:08:55
